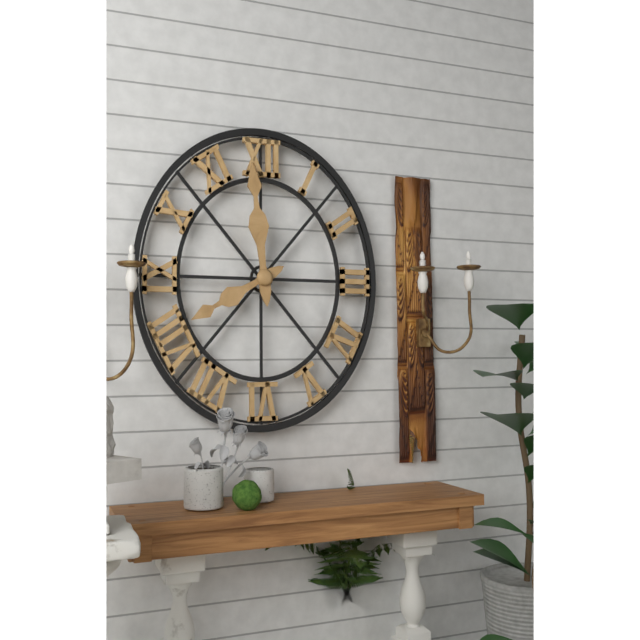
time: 7:59
